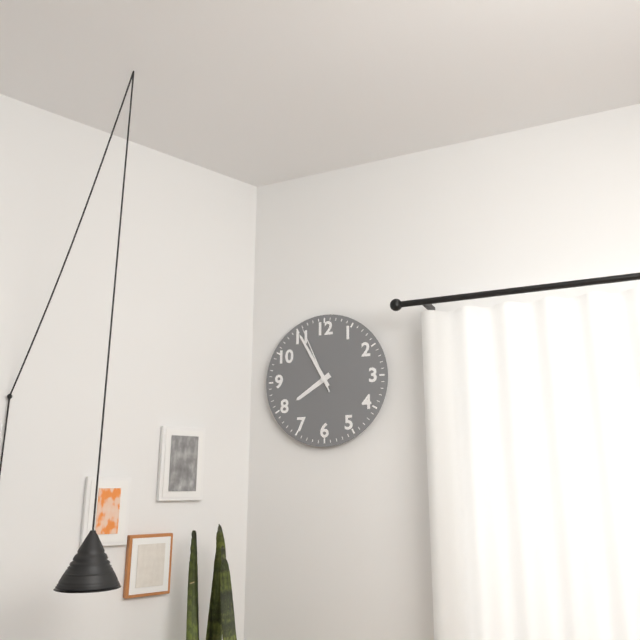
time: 7:55:56
